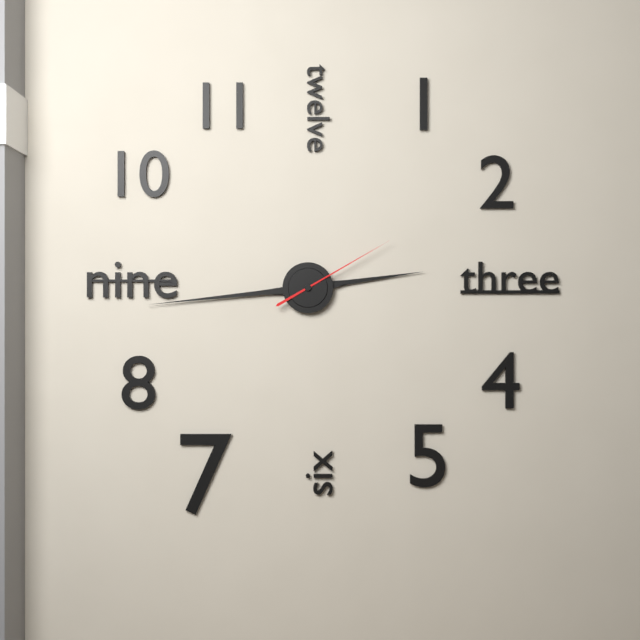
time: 2:44:10
